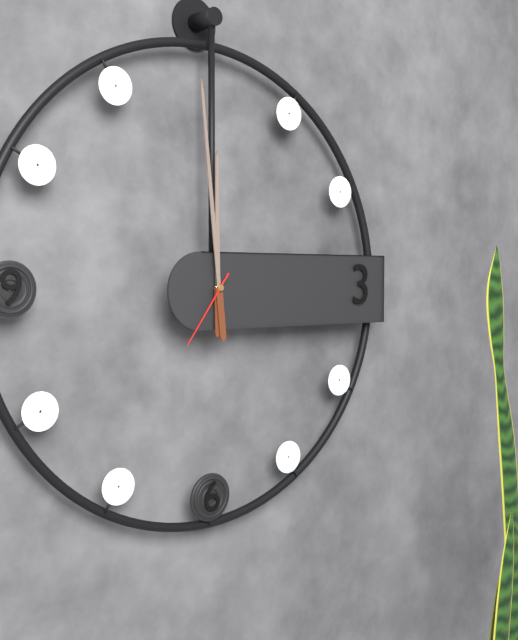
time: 11:59:36
